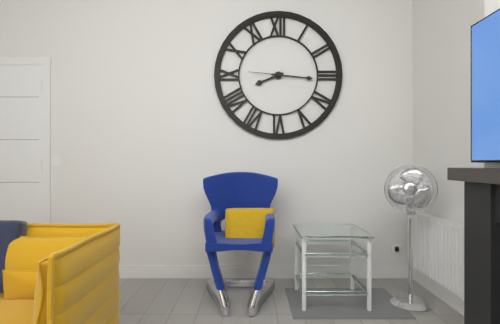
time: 8:16
